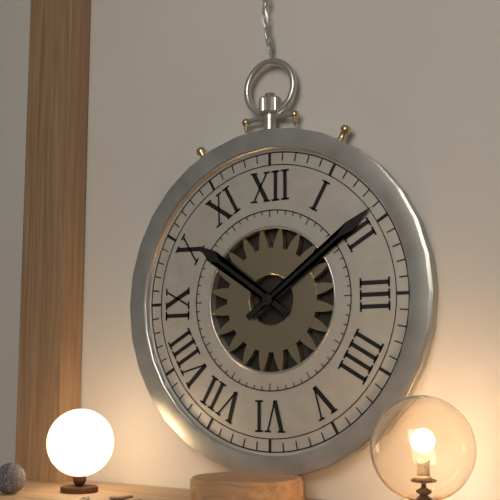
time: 10:09
